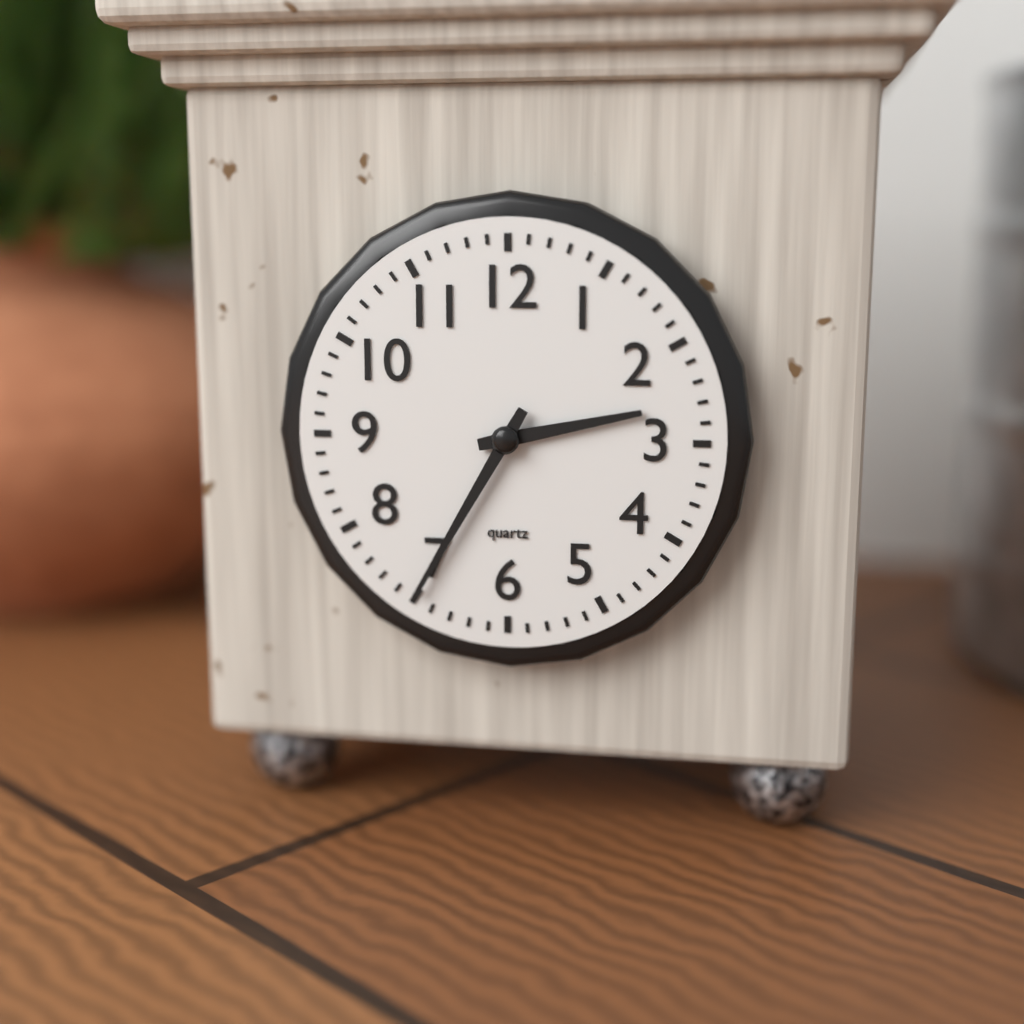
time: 2:35
